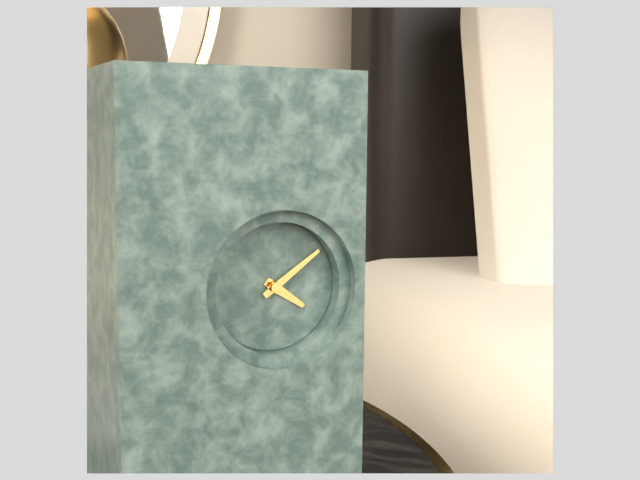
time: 4:09
